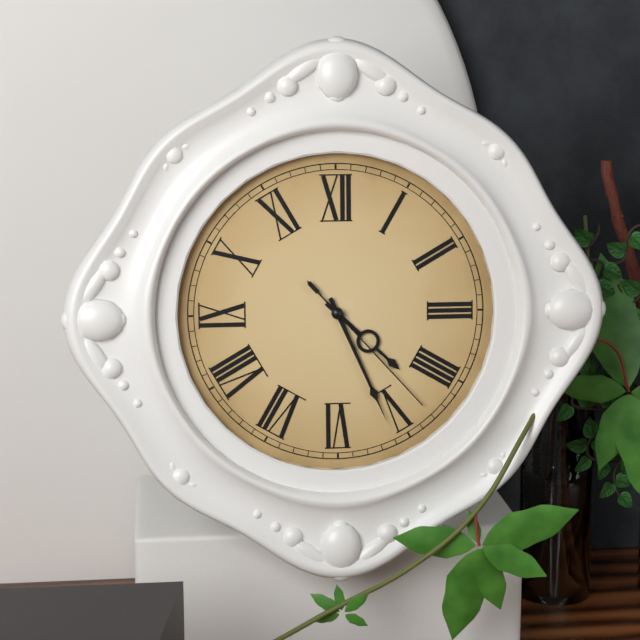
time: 4:26:23
